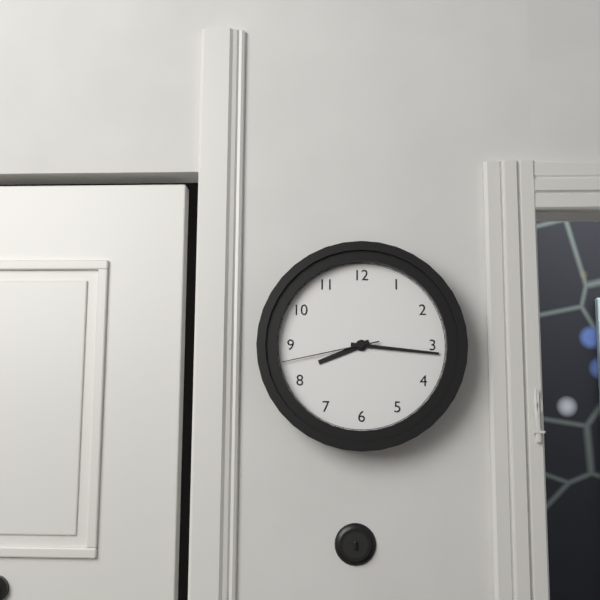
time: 8:16:43
